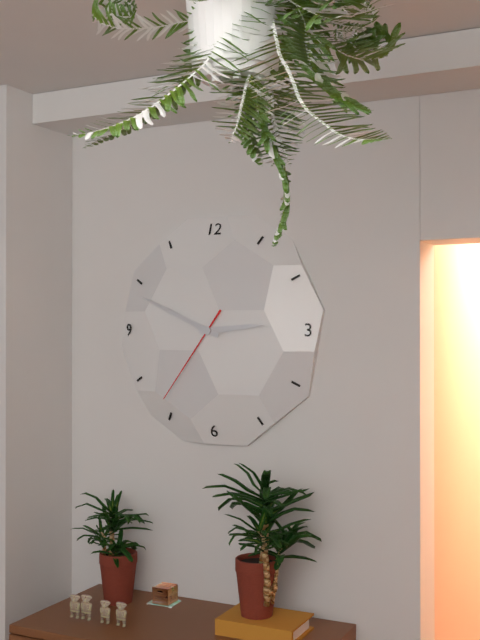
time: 2:49:36
